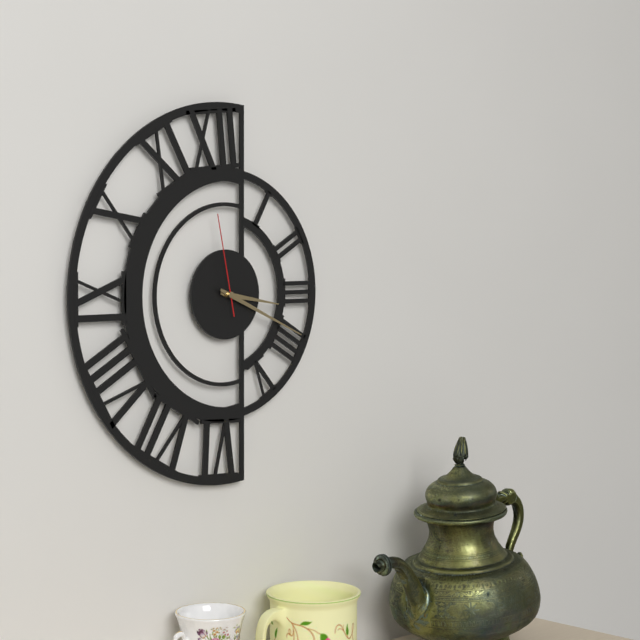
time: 3:19:58
